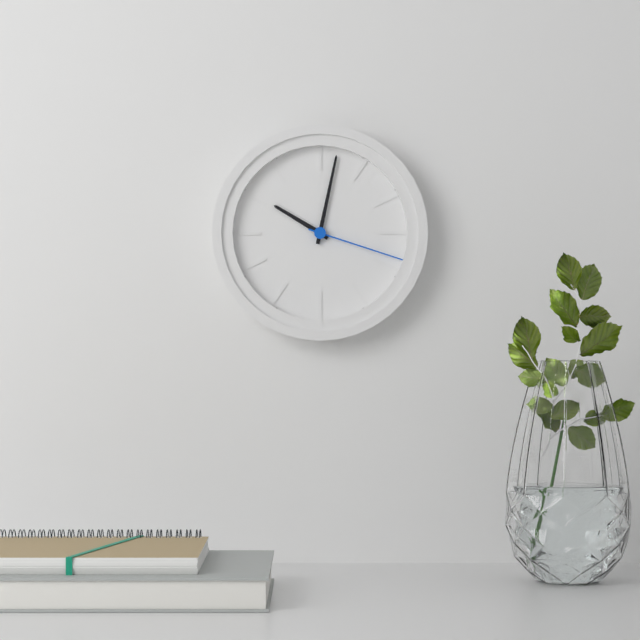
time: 10:02:18
